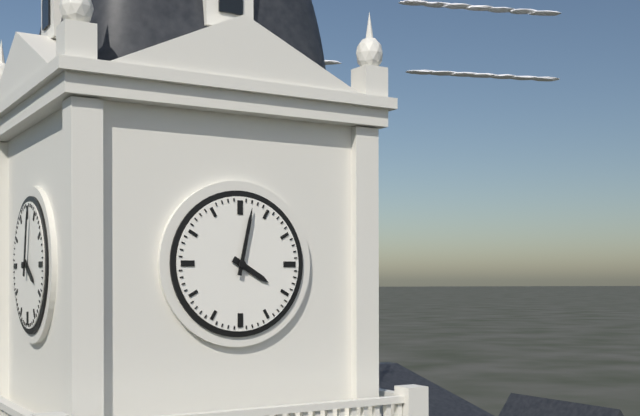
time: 4:02
